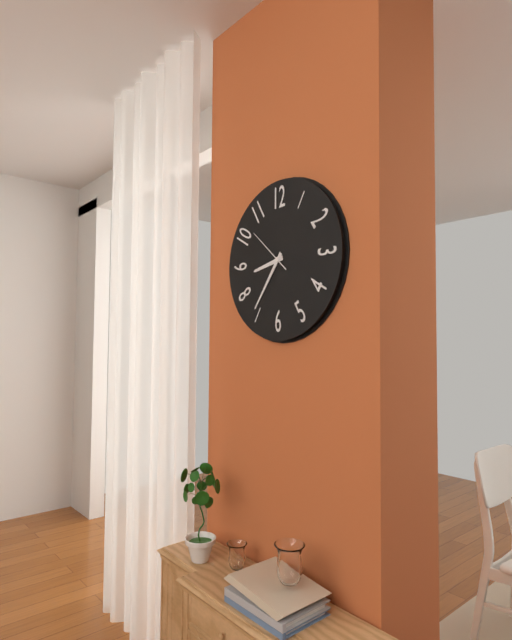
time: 8:36
